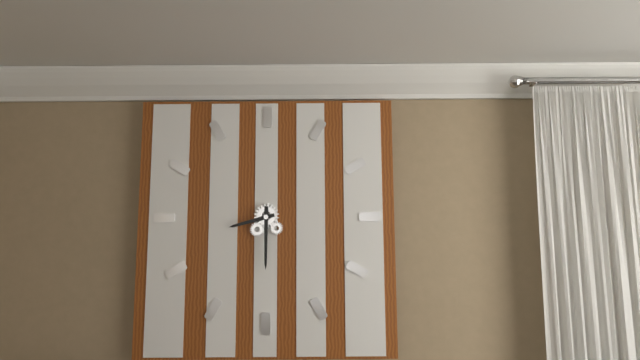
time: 8:30
